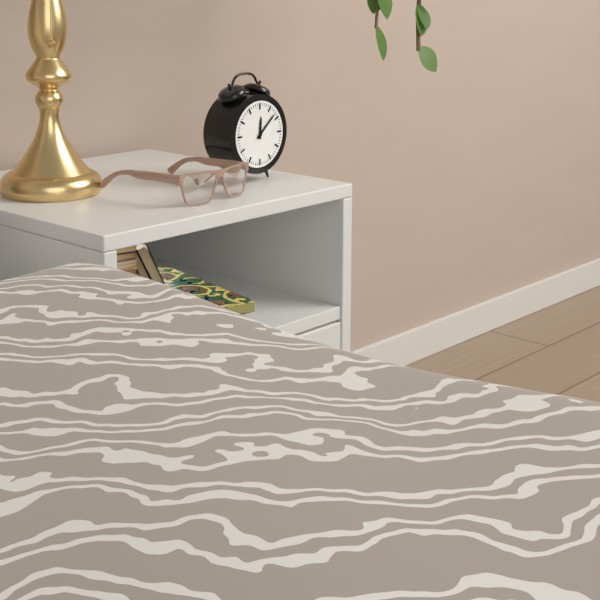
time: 12:08
